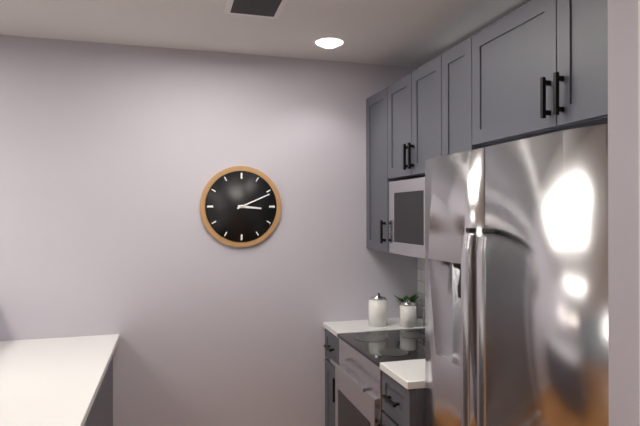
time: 3:11
